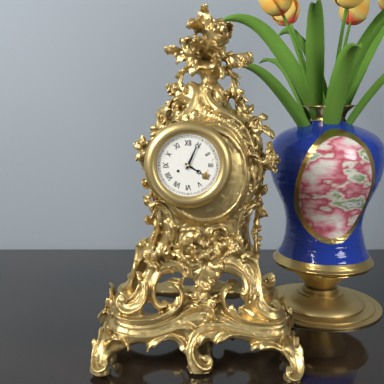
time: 4:04
